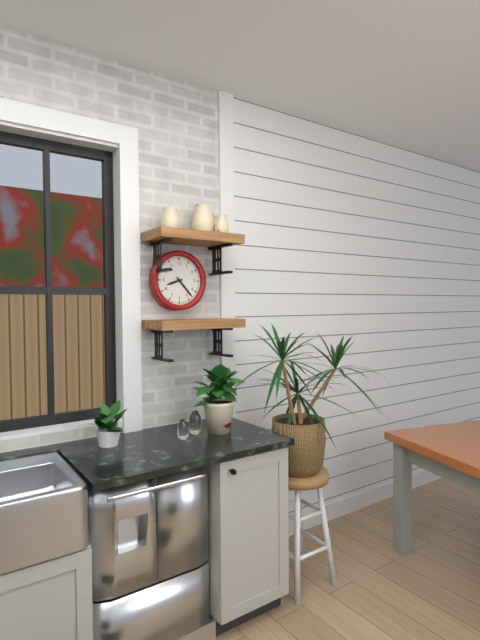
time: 8:23
